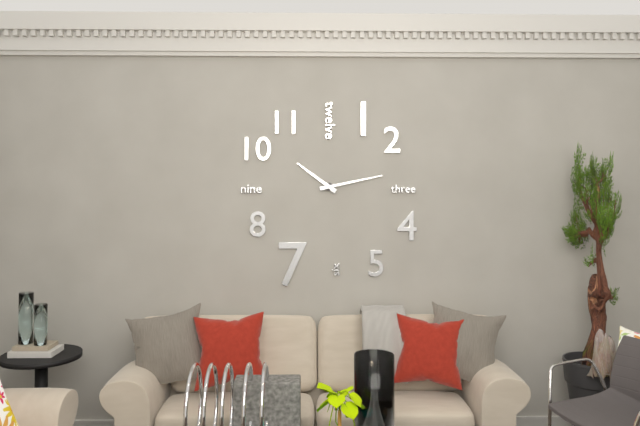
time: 10:13
